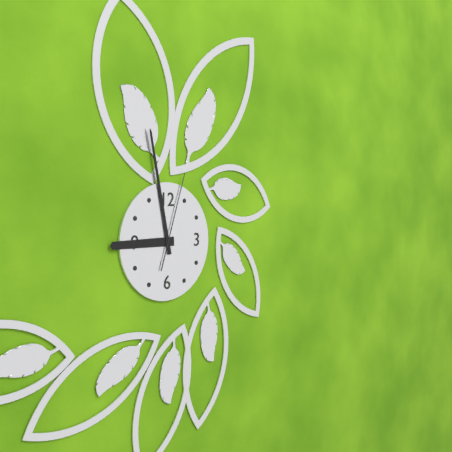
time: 8:58:03
